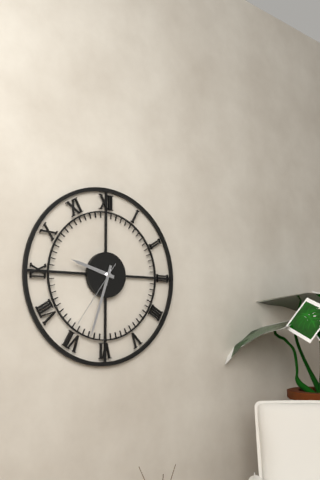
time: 9:33:36
